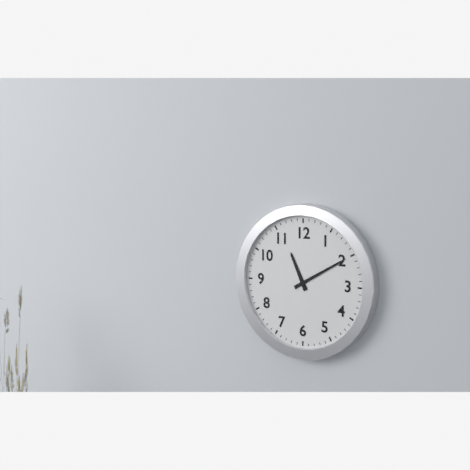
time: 11:10
